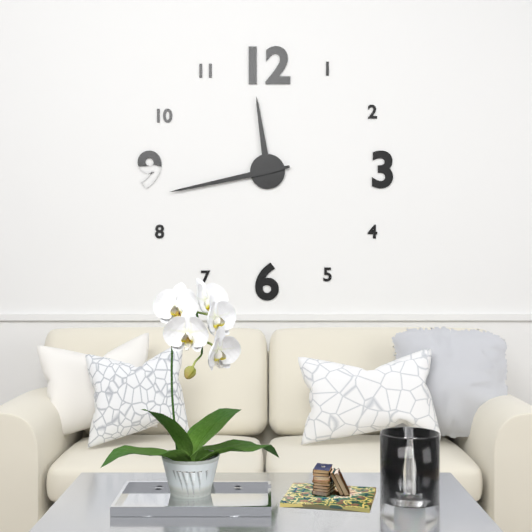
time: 11:43
